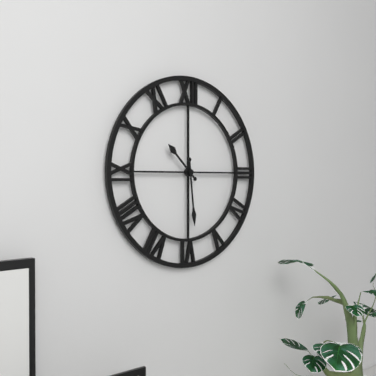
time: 10:29
